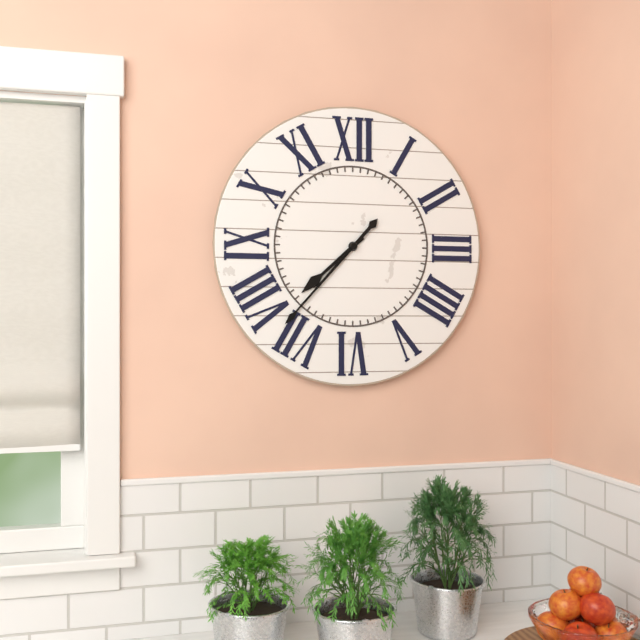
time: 7:37
